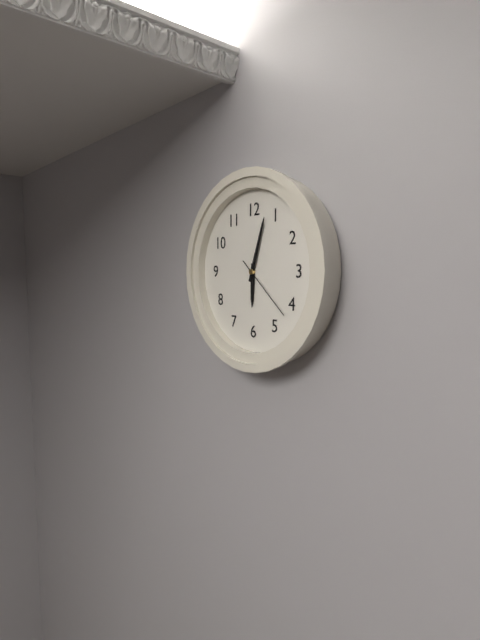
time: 6:03:22
